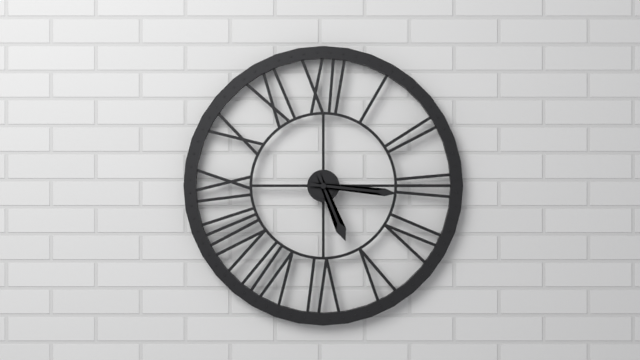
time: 5:16
